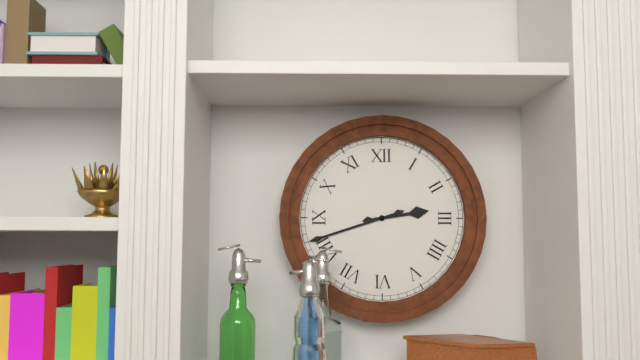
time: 2:42
